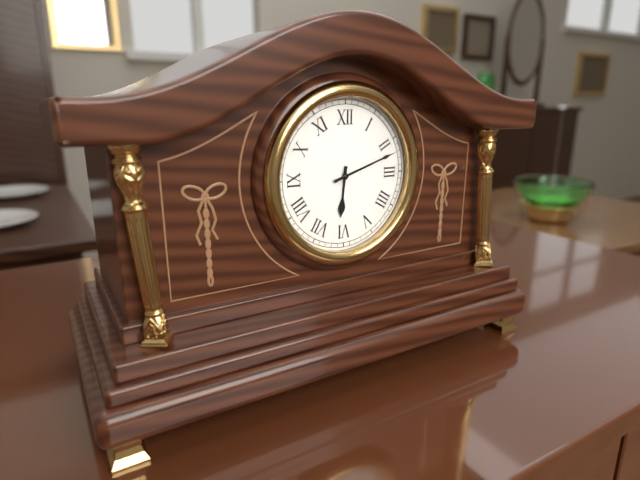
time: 6:12
